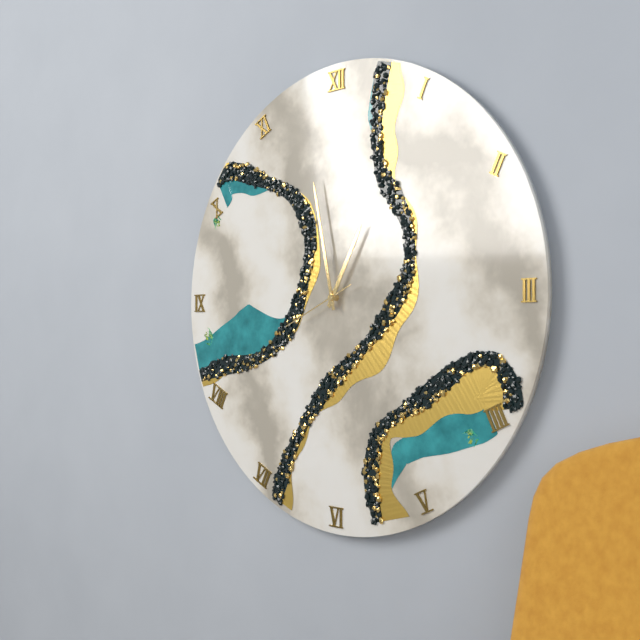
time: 12:58:41
